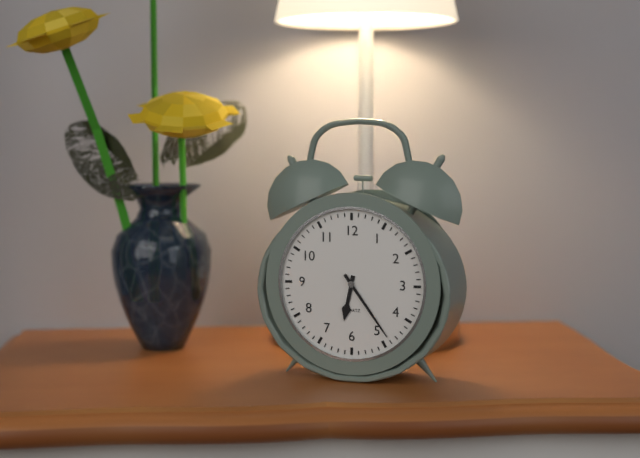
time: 6:24
